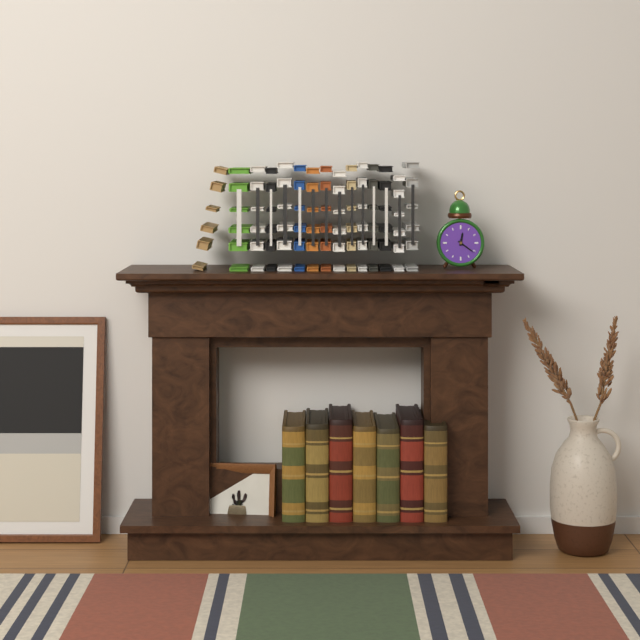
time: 12:21
